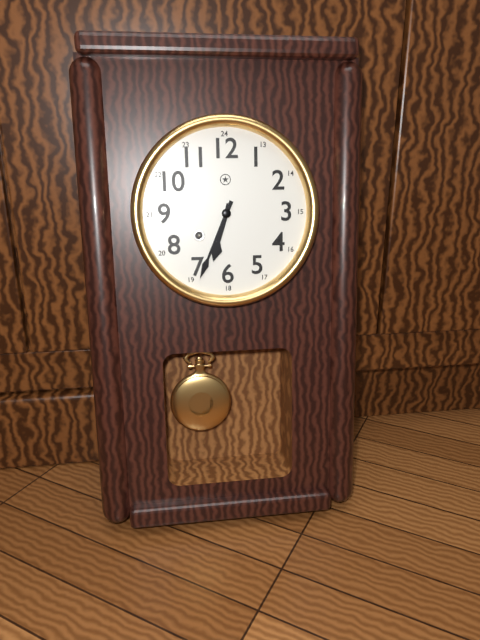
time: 6:34
